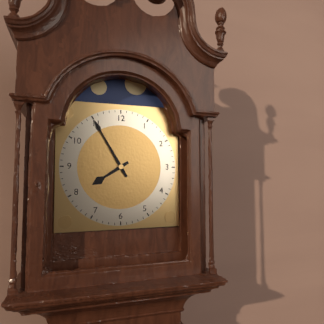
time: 7:55
